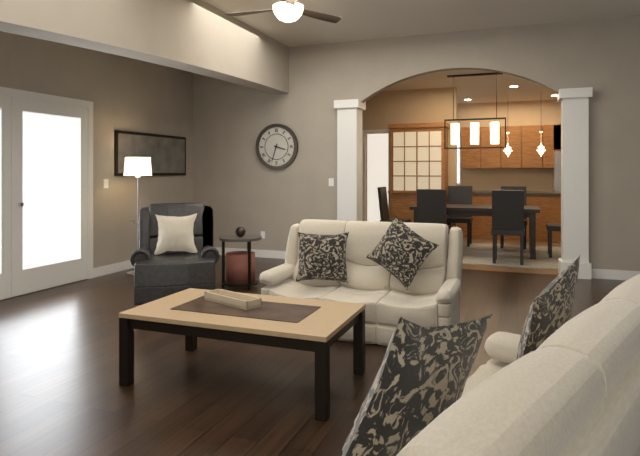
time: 3:33
